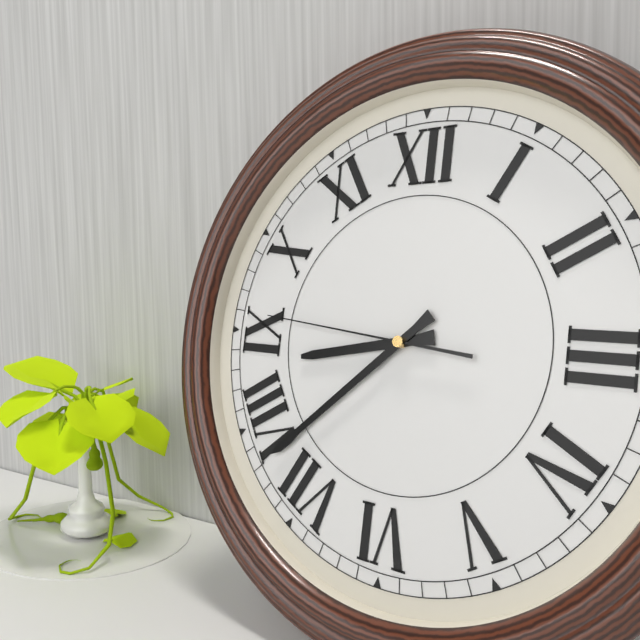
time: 8:38:46
